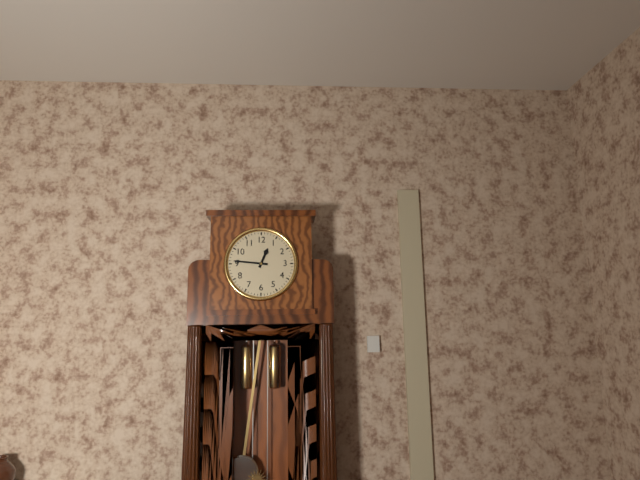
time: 12:46
